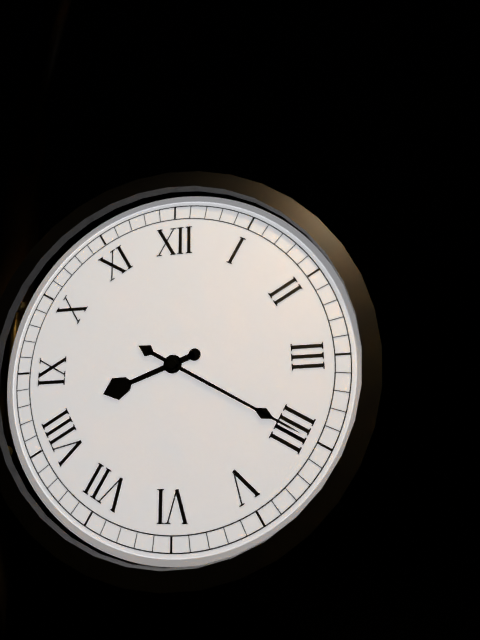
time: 8:20
